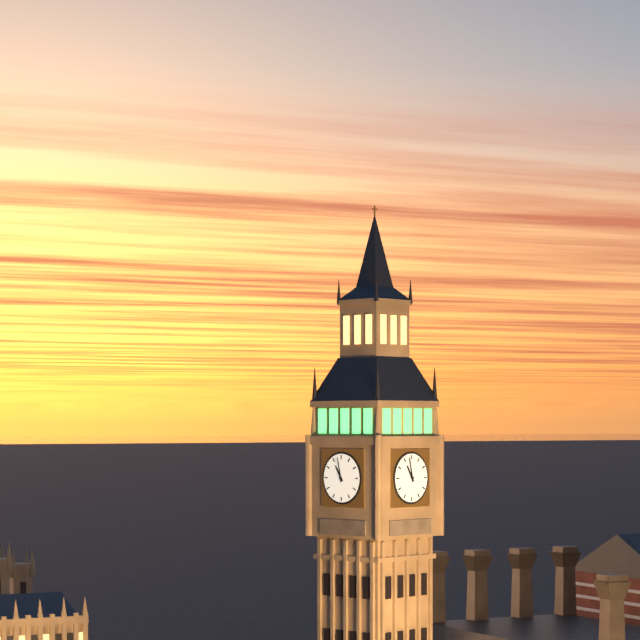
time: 10:58
